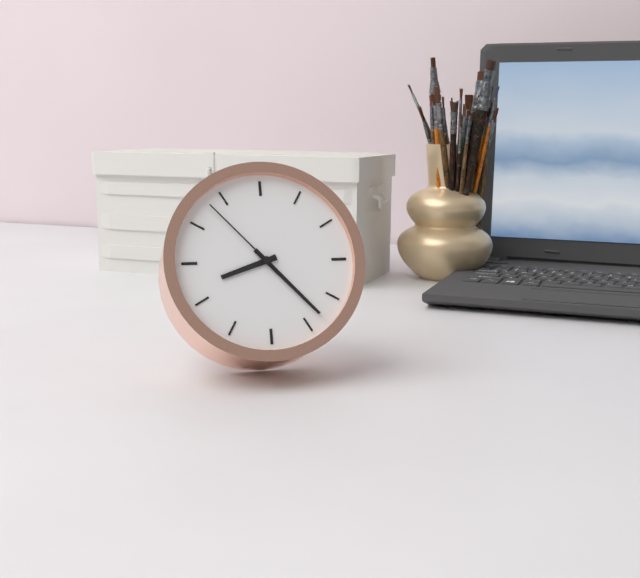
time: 8:23:53
